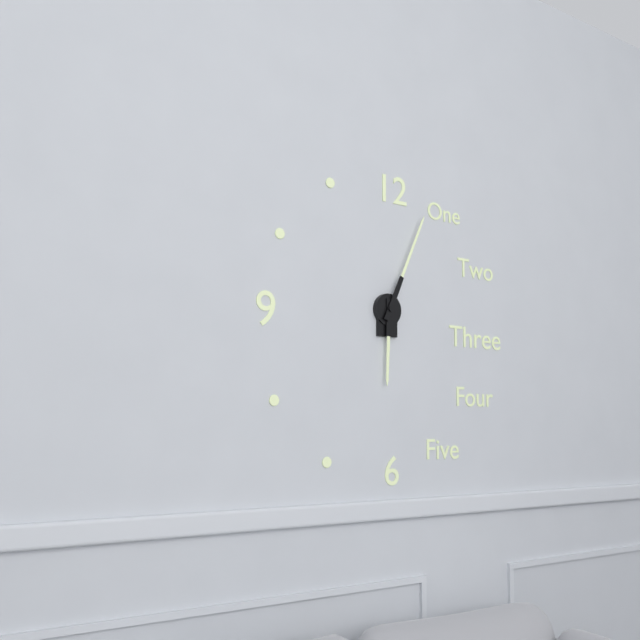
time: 6:04
